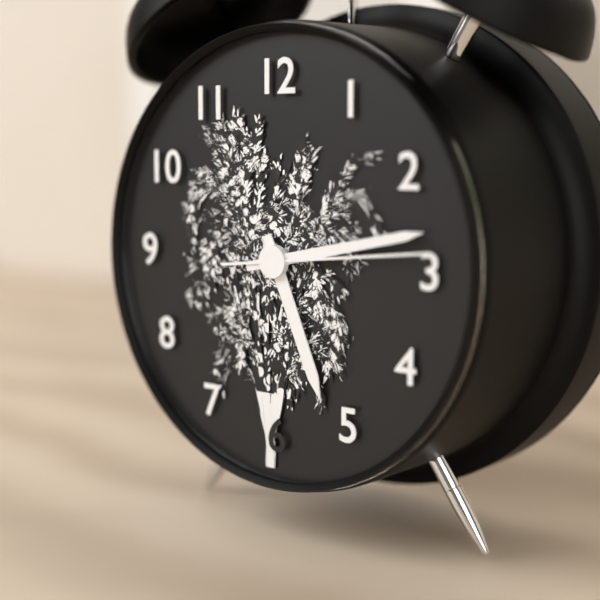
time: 5:13:14
